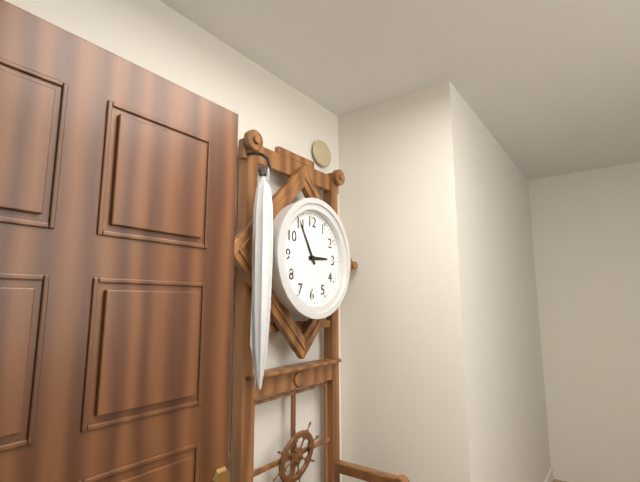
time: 2:55
